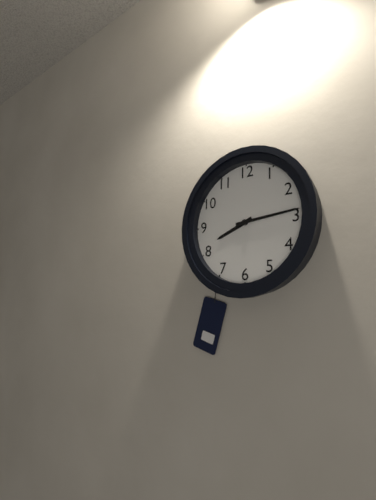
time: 8:14
